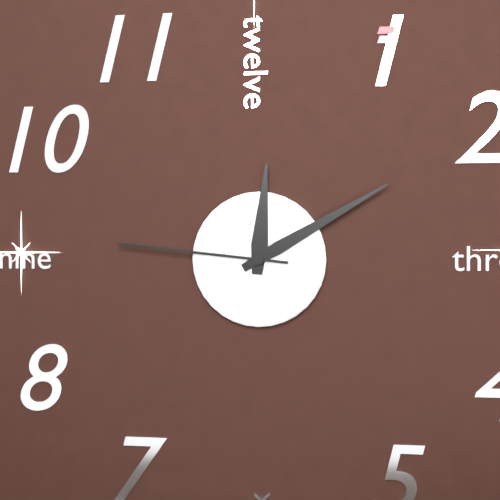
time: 12:10:46
